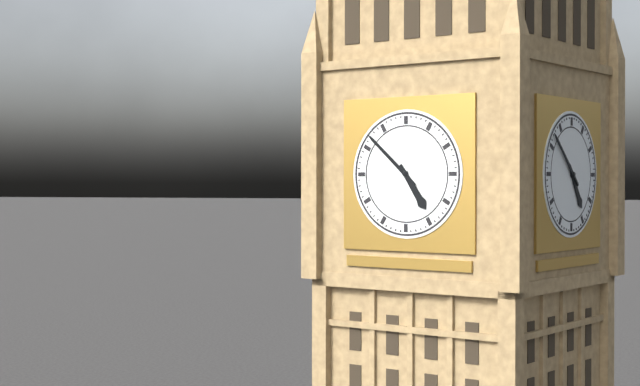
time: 4:52
